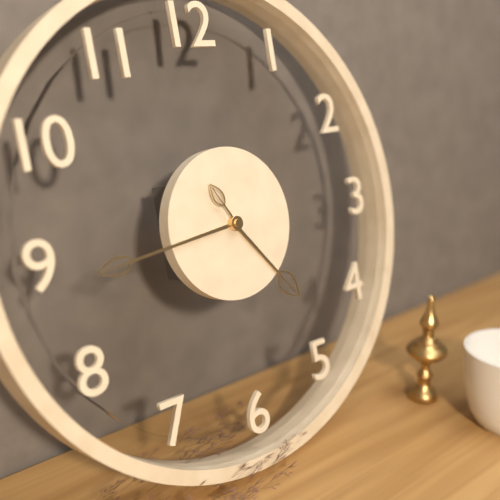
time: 4:44:55
